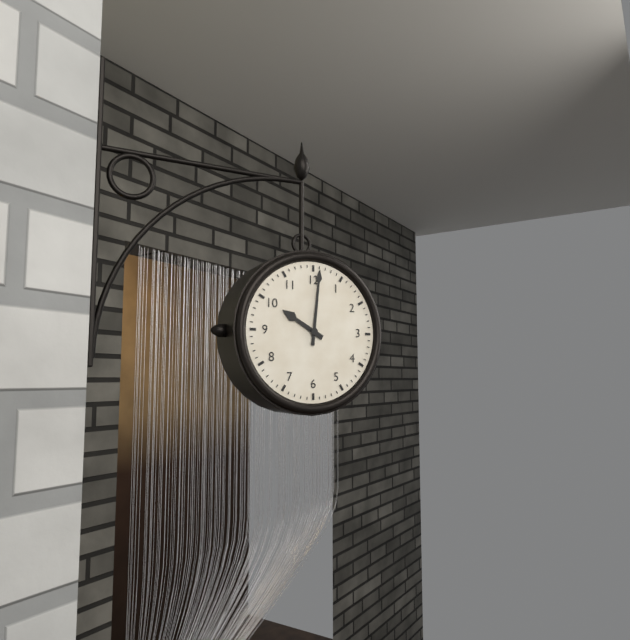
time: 10:01
